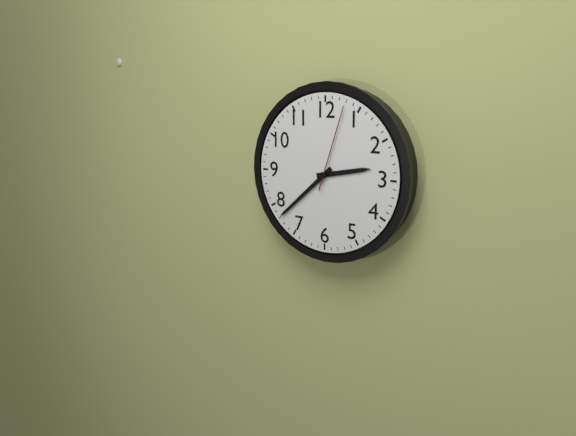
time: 2:38:03
